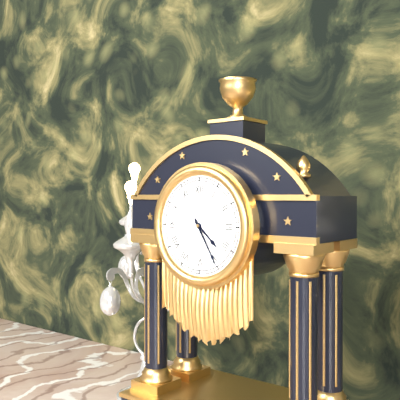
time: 4:25
